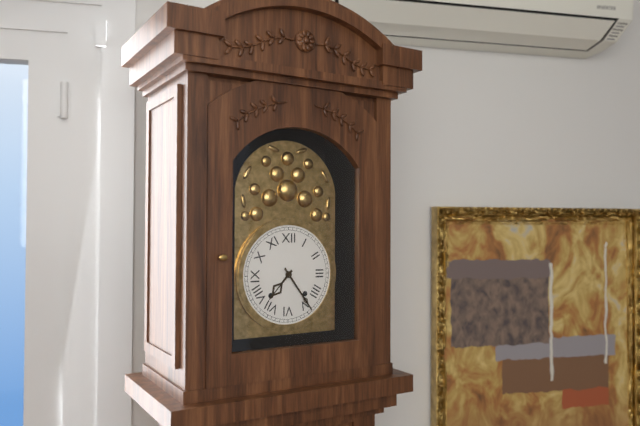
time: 7:24
